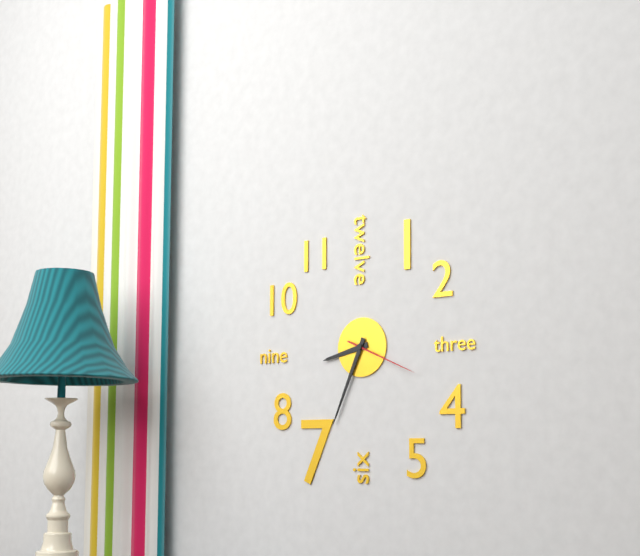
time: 8:34:19
